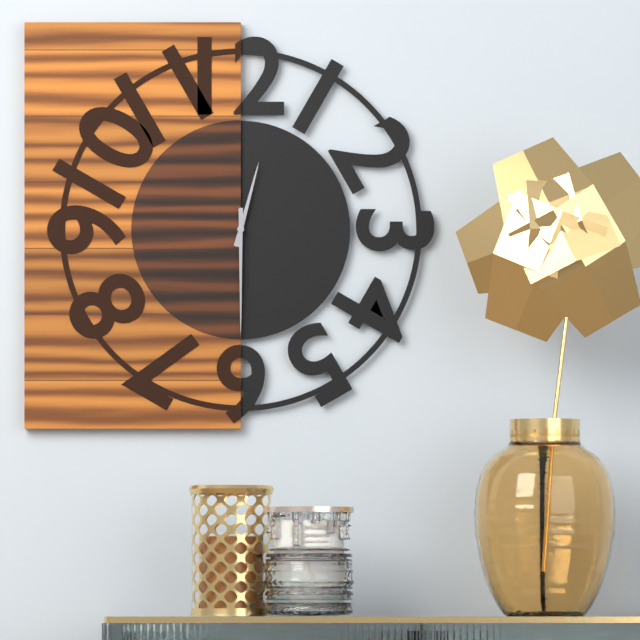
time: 12:30
